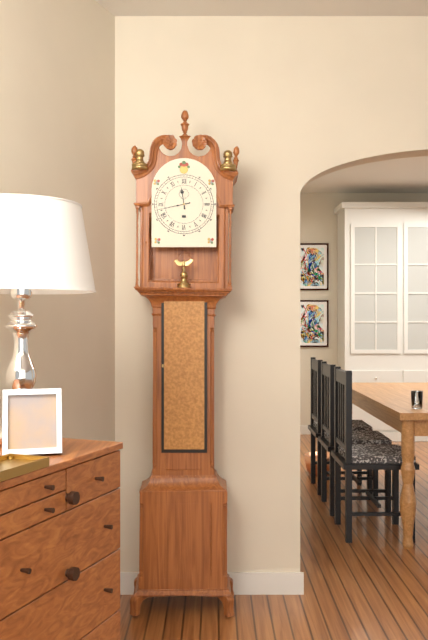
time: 11:43
